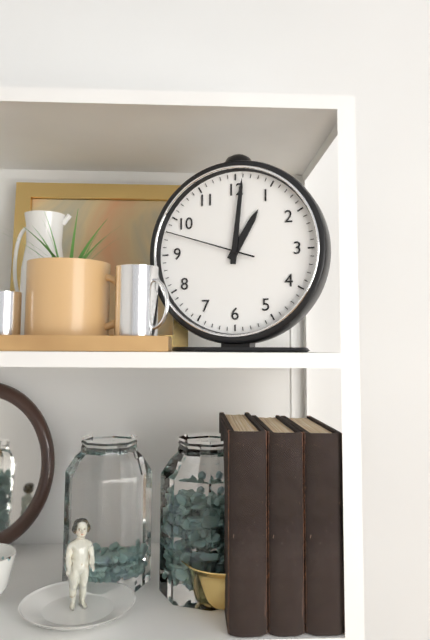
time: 1:01:48
